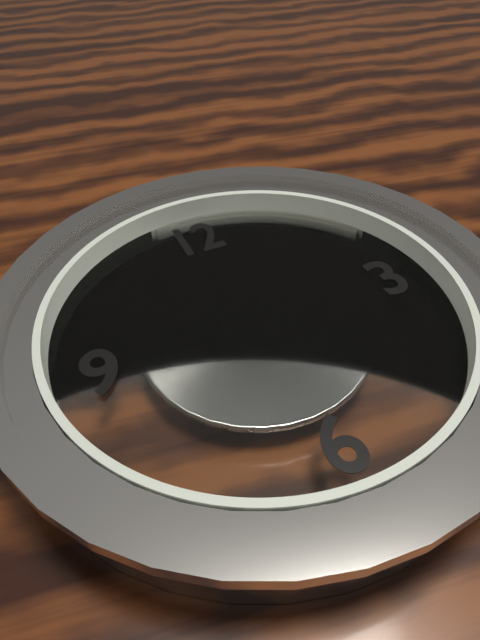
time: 10:15
